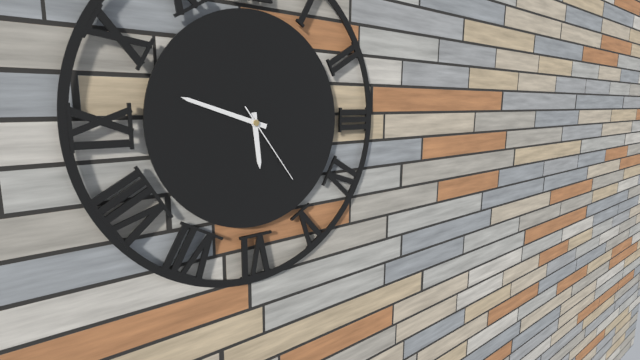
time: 5:48:24
